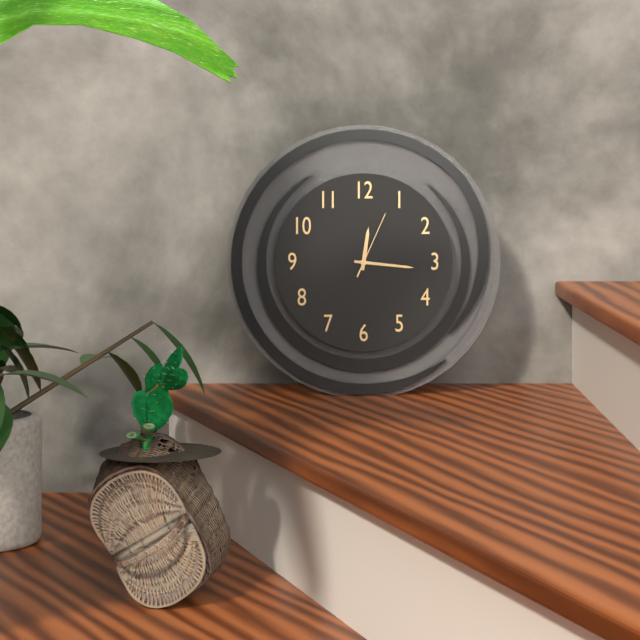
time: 12:16:04
